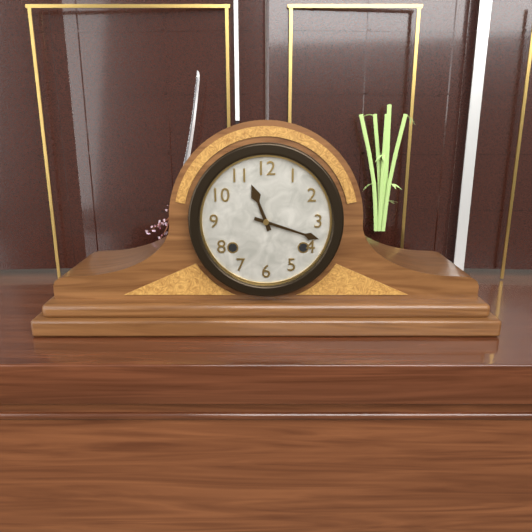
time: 11:18
